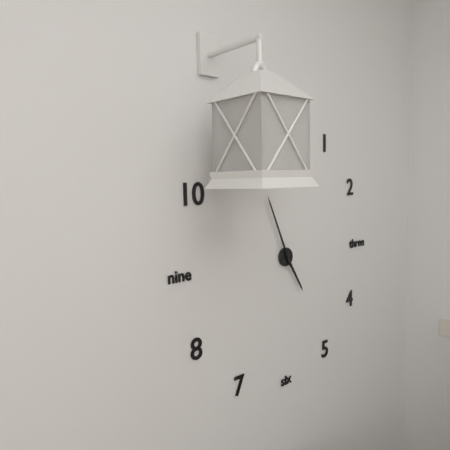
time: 4:56
